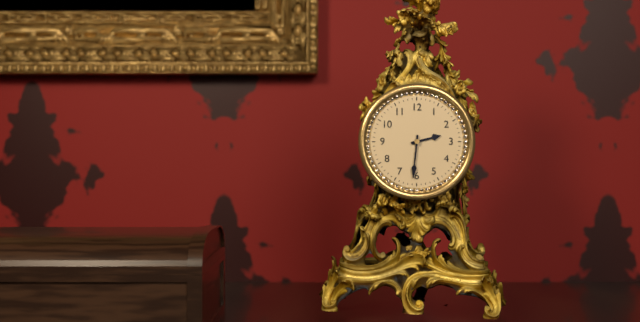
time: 2:31
